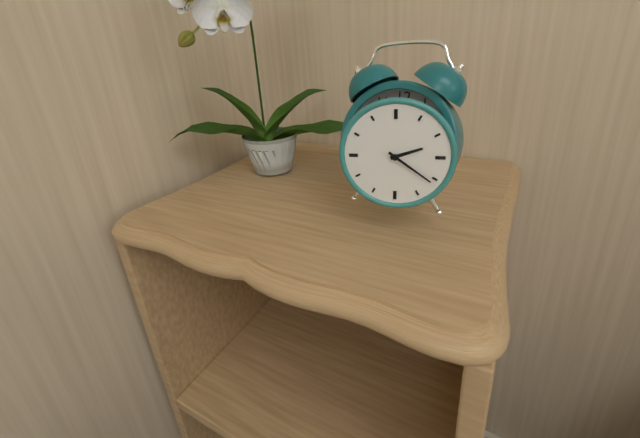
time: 2:21
